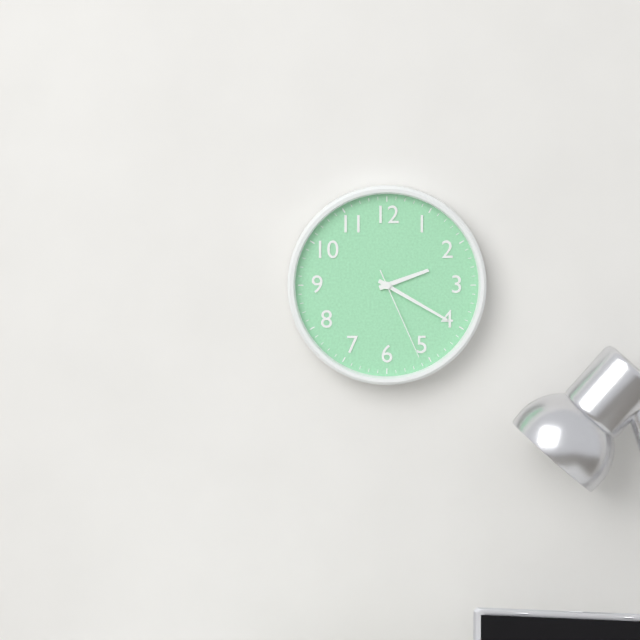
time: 2:20:26
